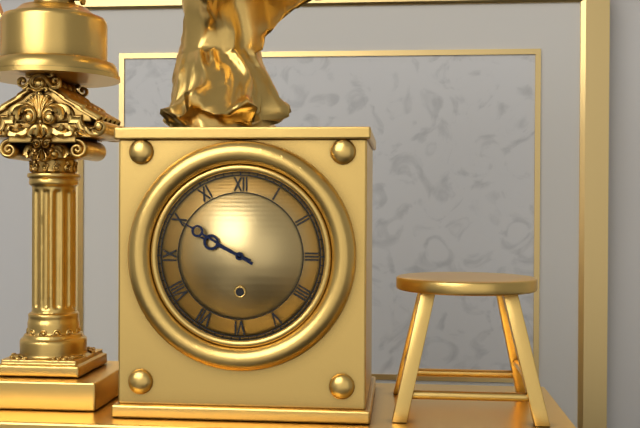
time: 9:50
